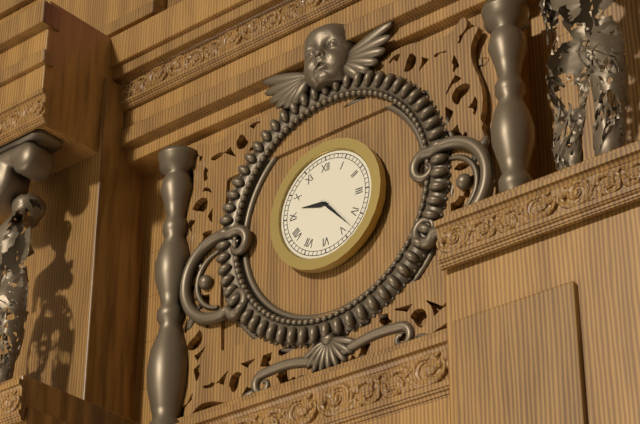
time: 9:23
